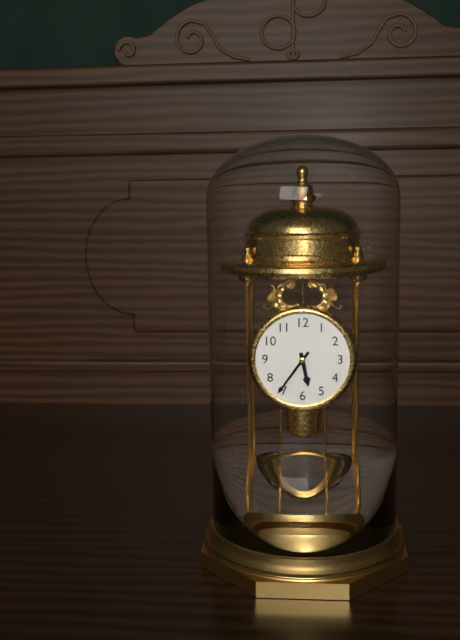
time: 5:36
